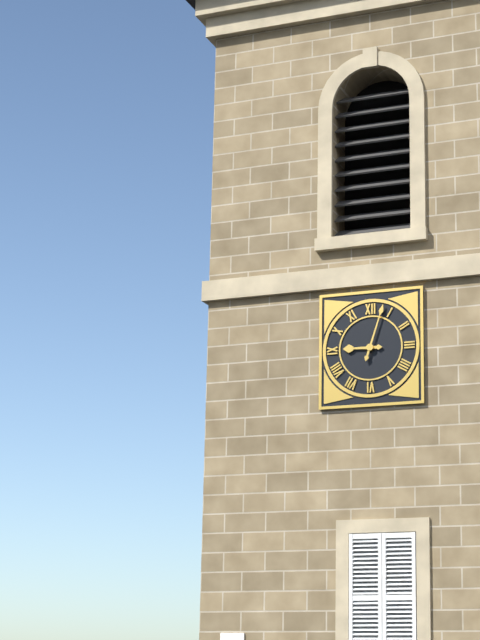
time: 9:03
